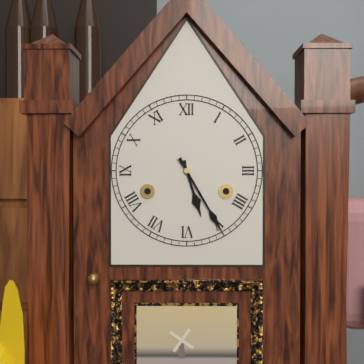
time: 5:25
